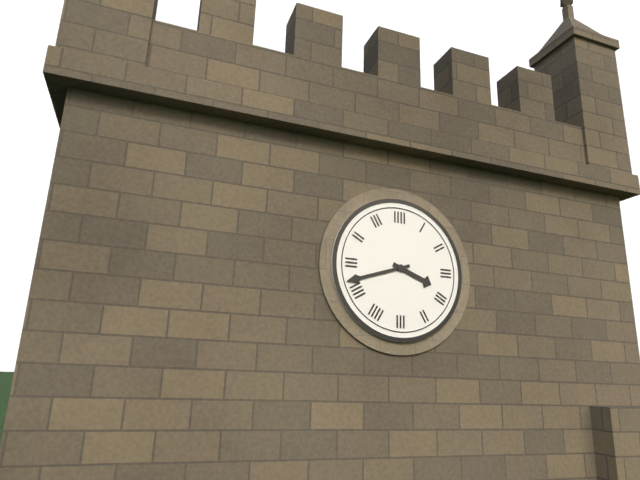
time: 3:42
